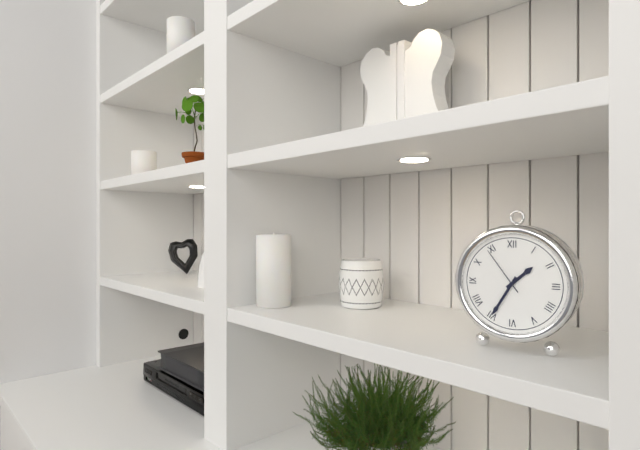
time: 1:35:54
